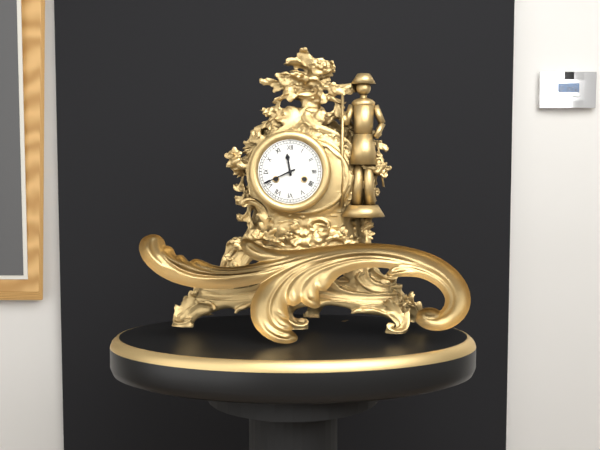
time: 11:41
